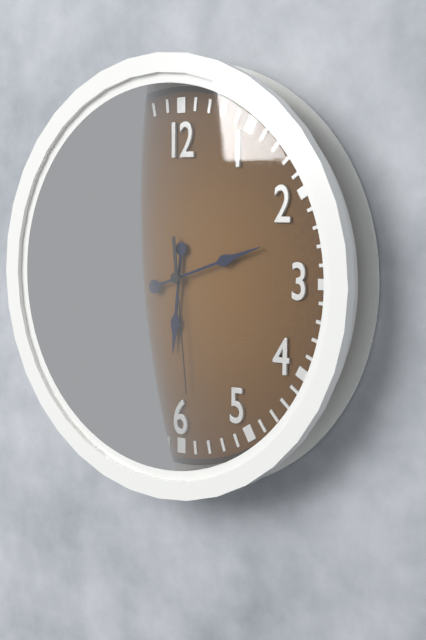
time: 6:12:29
